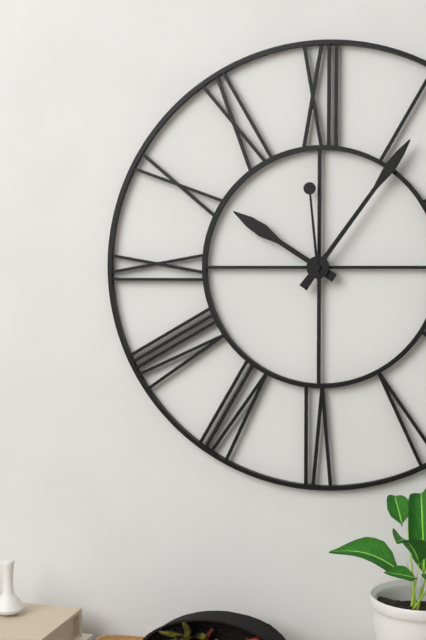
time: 10:06:59
